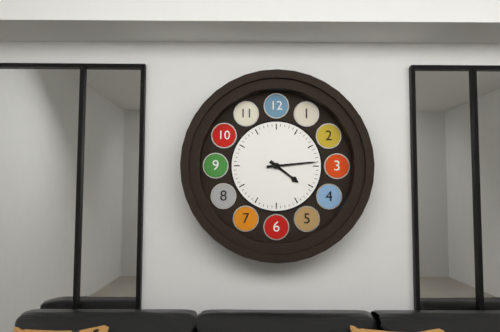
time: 4:14
